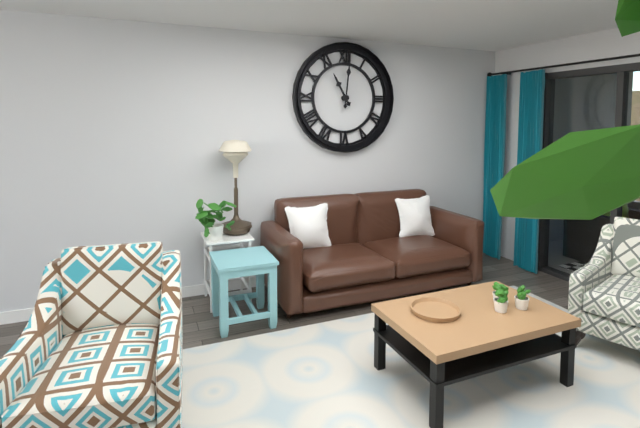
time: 11:01
